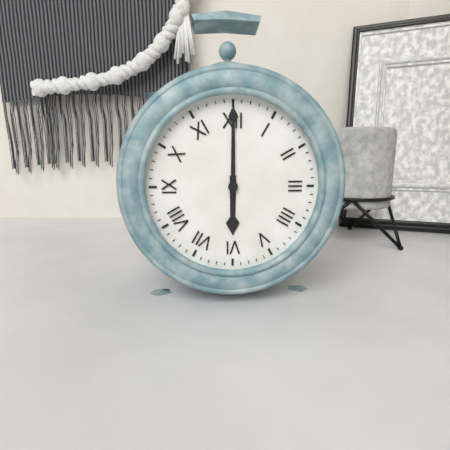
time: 6:00
